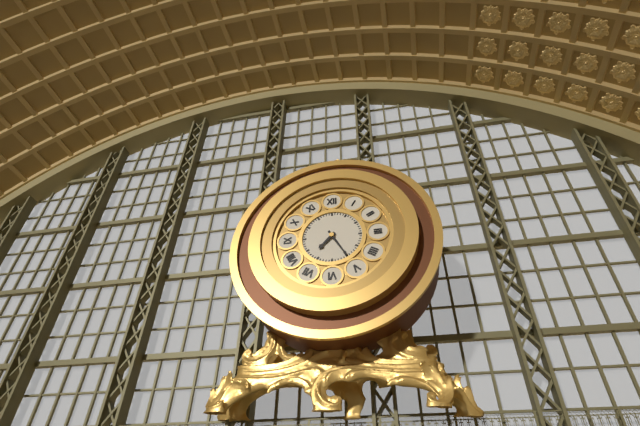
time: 7:25
